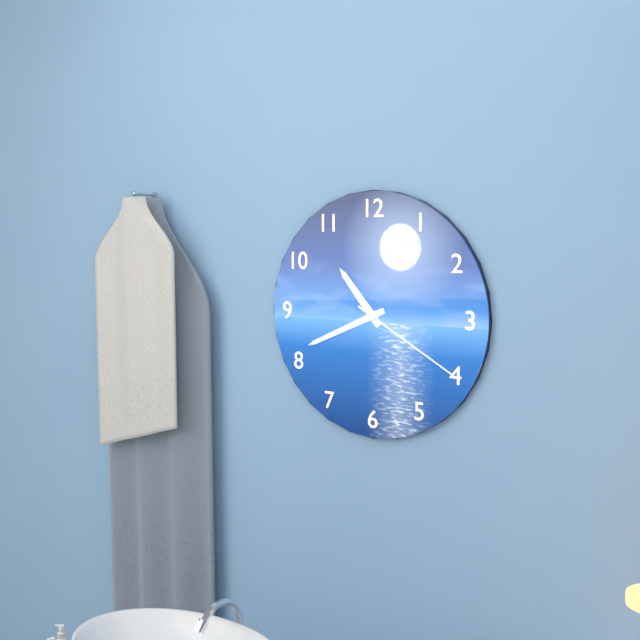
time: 10:41:20
